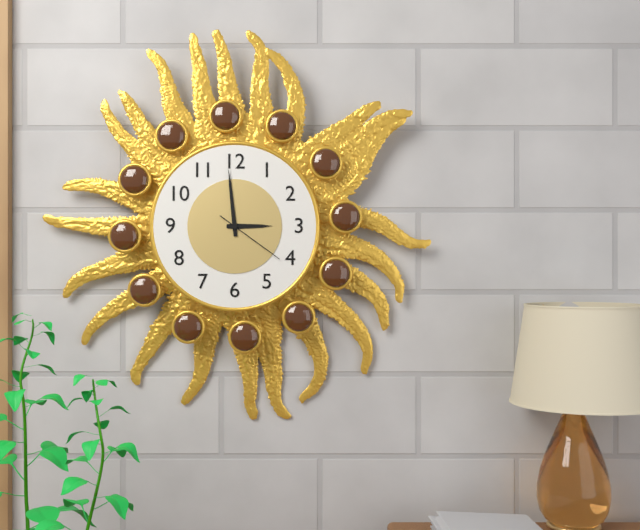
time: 2:59:21
